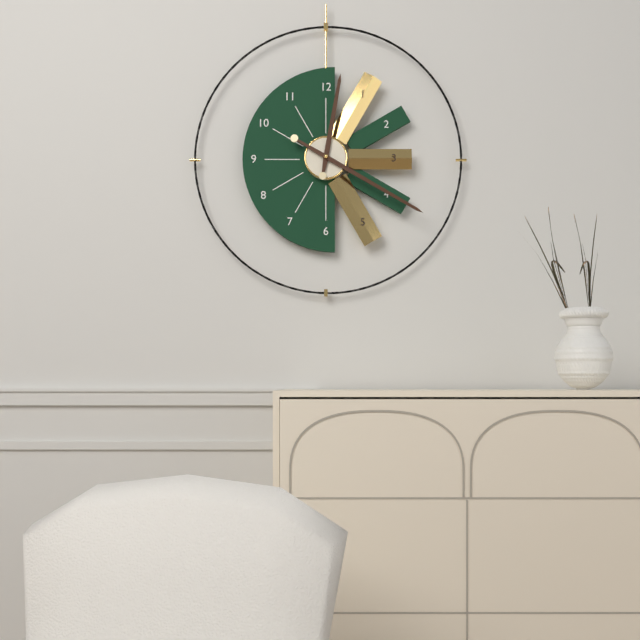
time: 12:20
